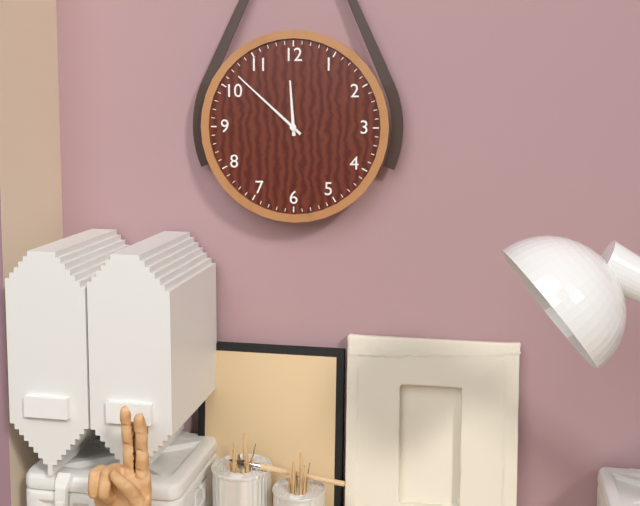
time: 11:52
